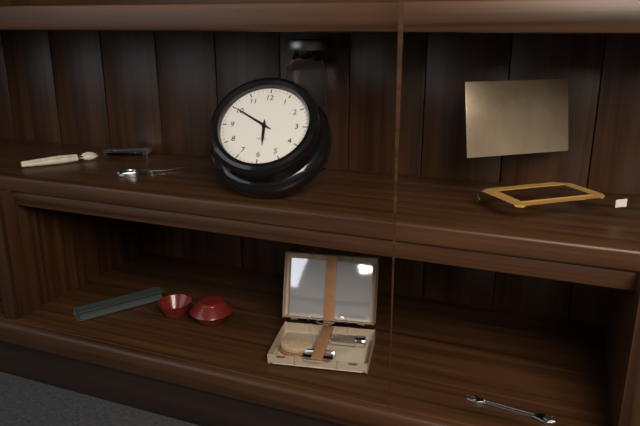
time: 5:50
